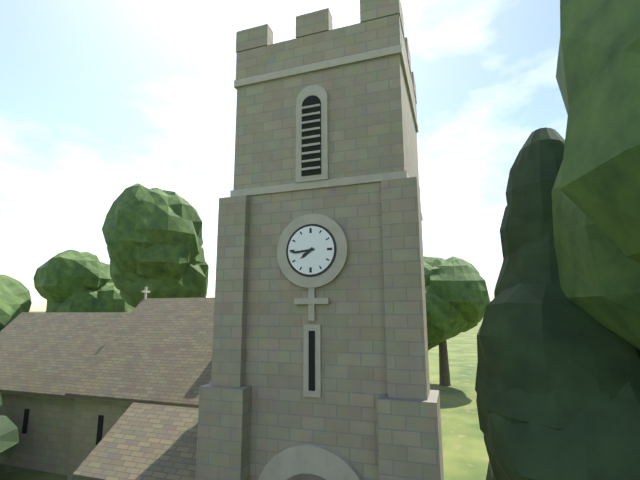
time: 7:44
